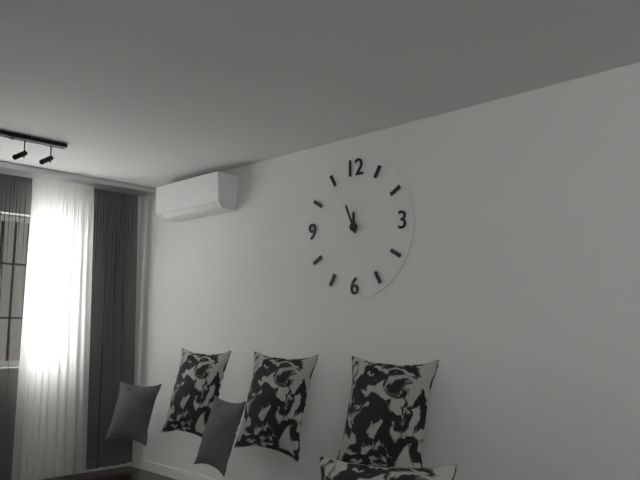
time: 11:56
